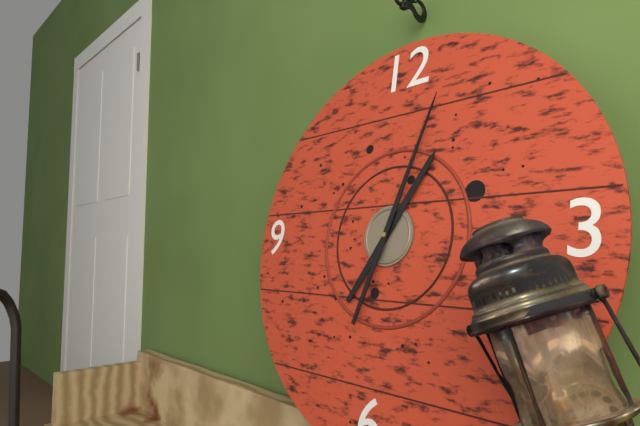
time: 1:03
